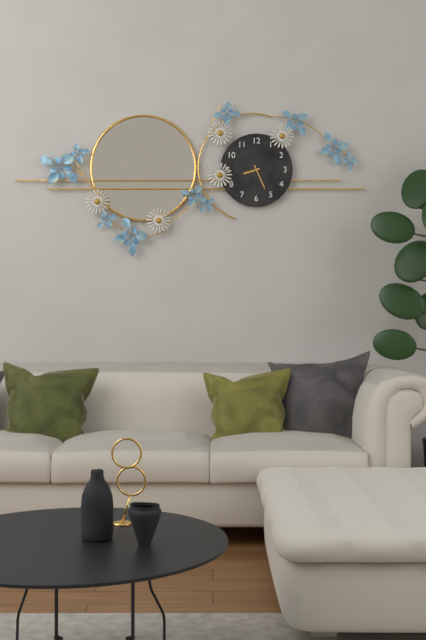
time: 8:26
